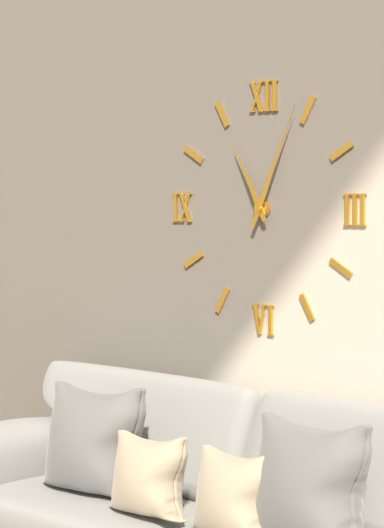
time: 11:04
